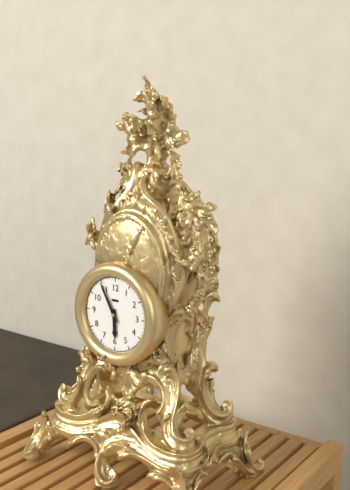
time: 5:55
